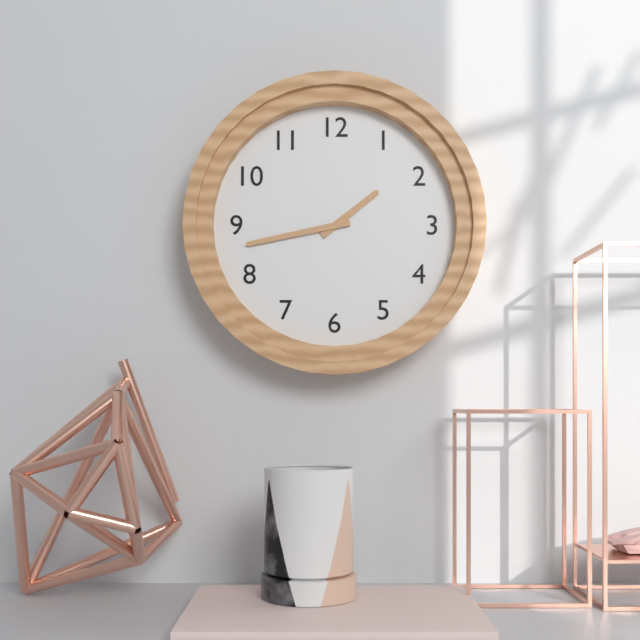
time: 1:43
